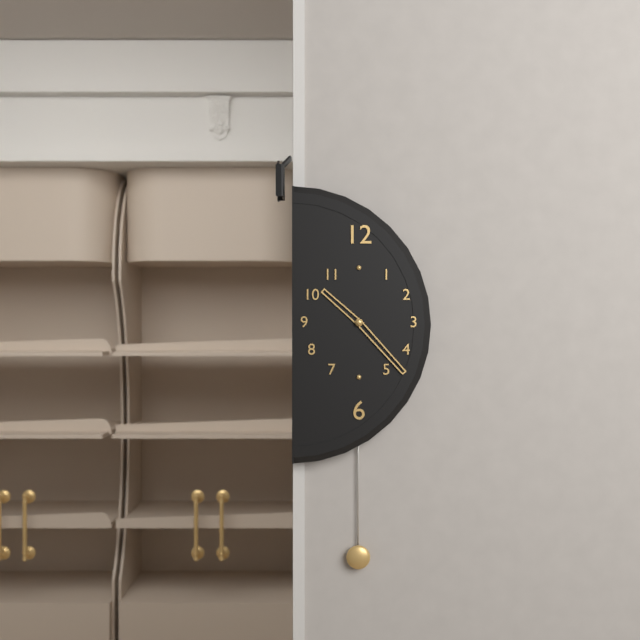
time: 10:23
